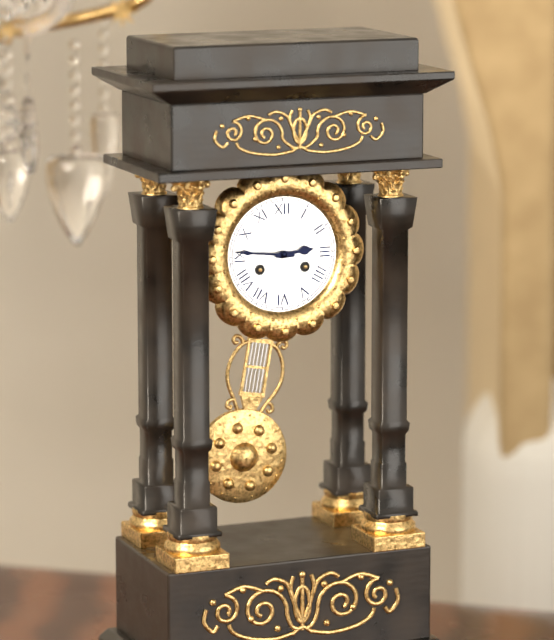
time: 2:46
